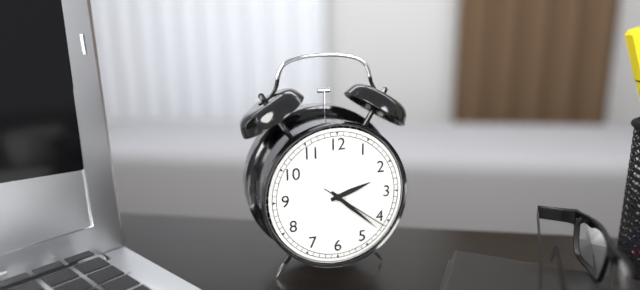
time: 2:22:21
